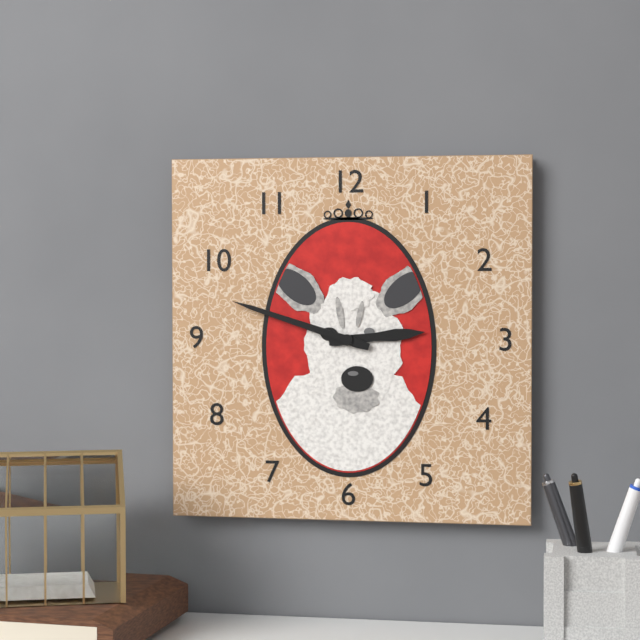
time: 2:48
